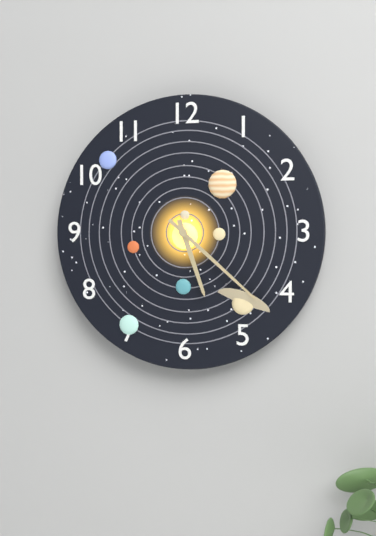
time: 5:22
